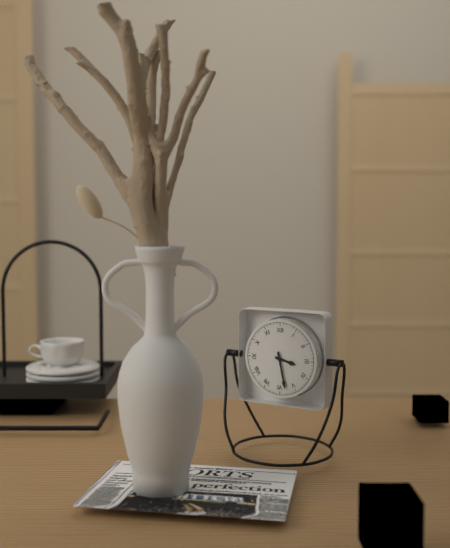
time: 3:28
